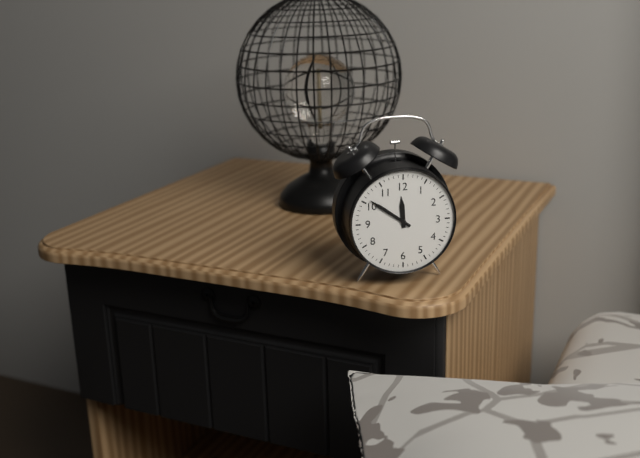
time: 11:51
